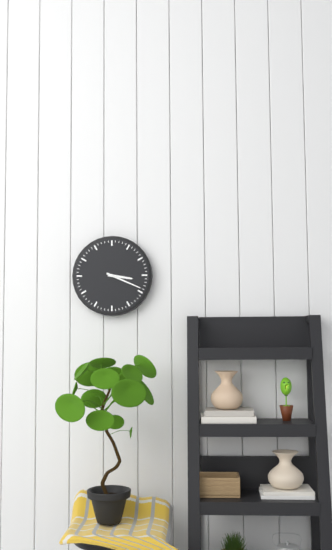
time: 3:19
